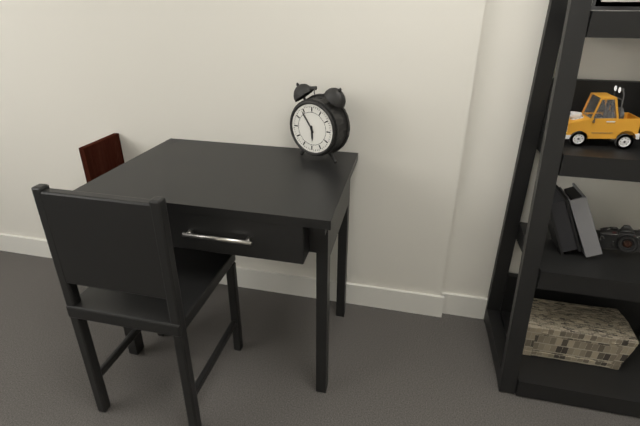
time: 5:54
